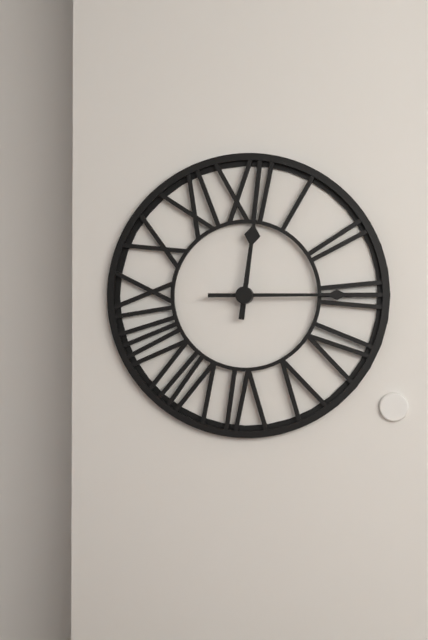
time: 12:15
